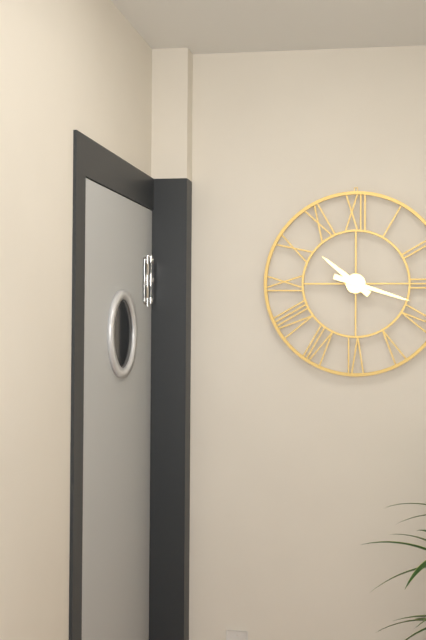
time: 10:18
